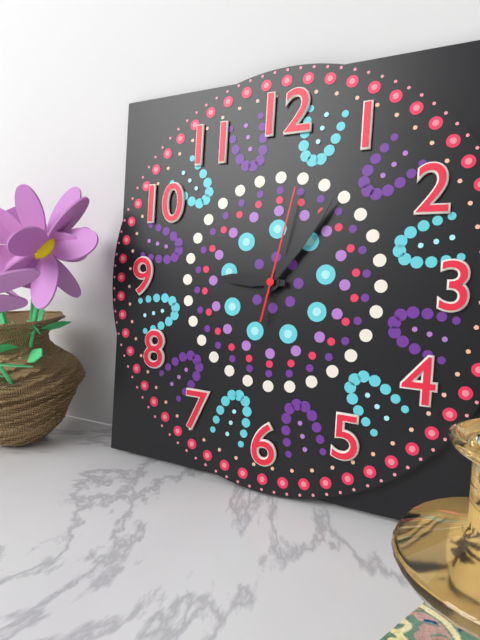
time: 9:06:02
